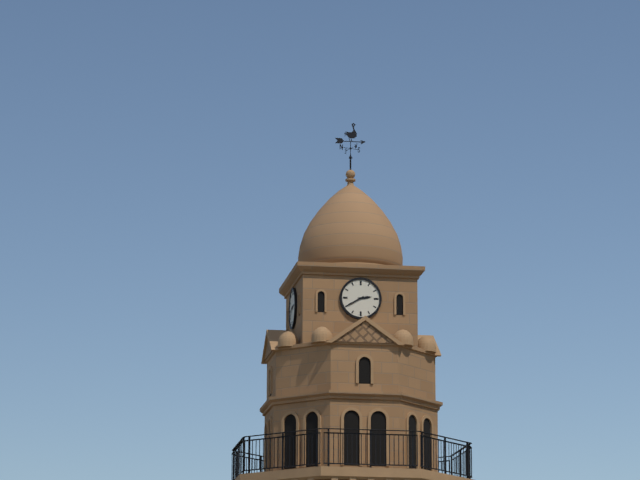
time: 2:40
